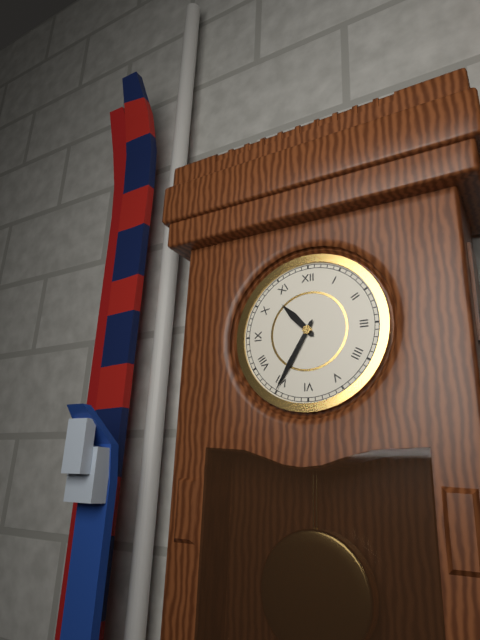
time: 10:35
